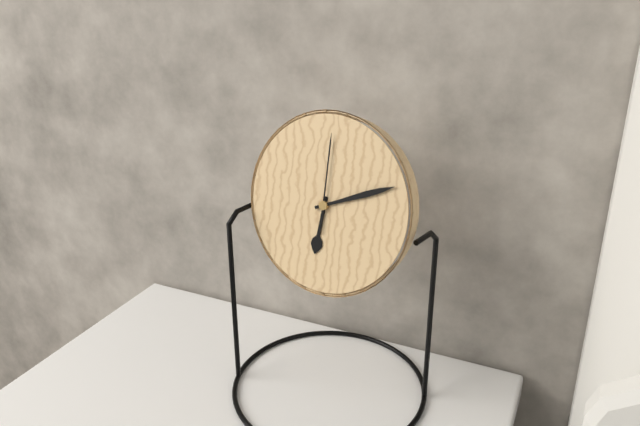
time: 6:11:00
